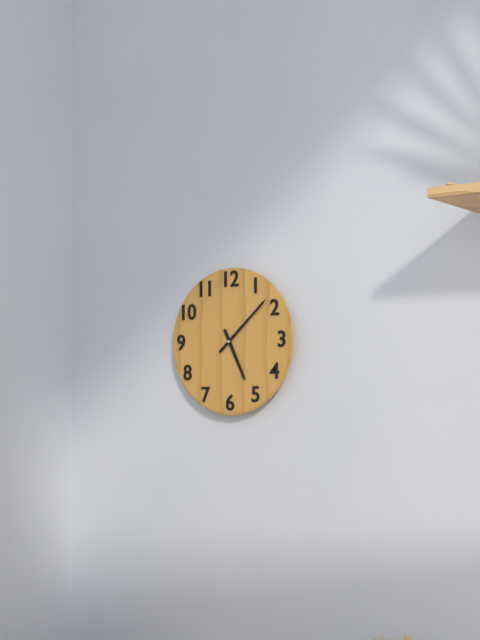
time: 5:08
